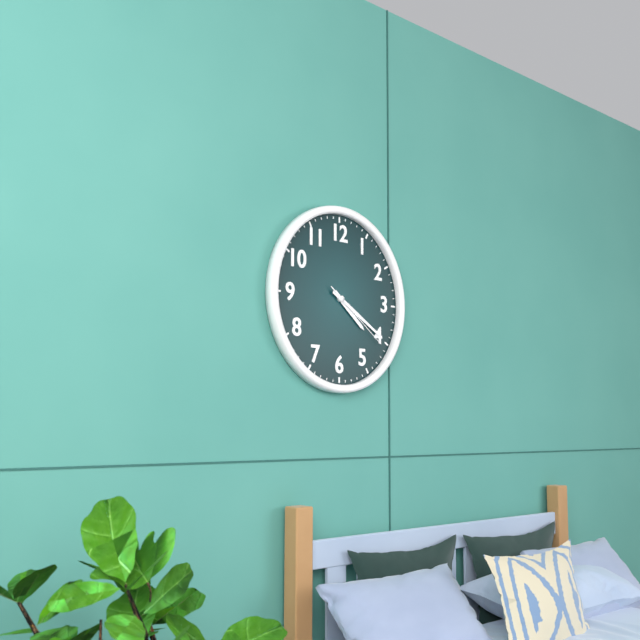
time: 4:20:21
